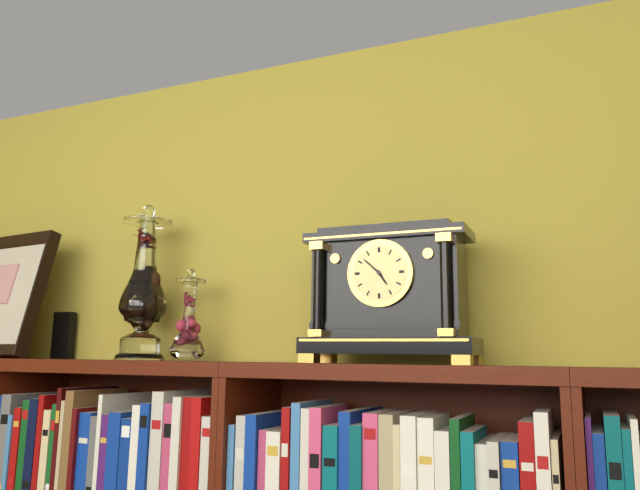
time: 4:52
